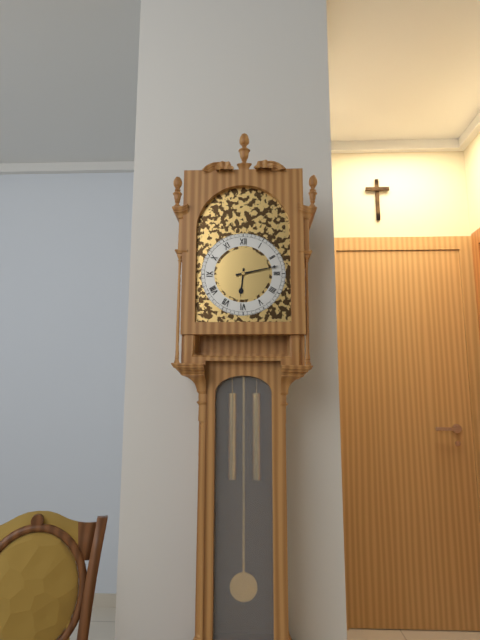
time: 6:13
